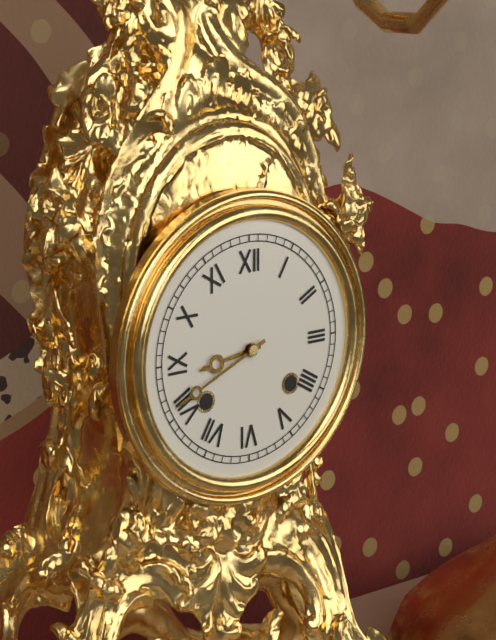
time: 8:41
